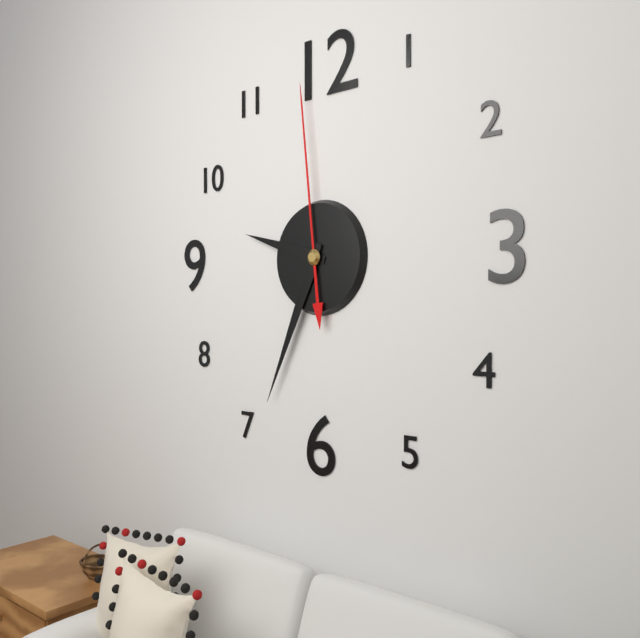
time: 9:34:59
